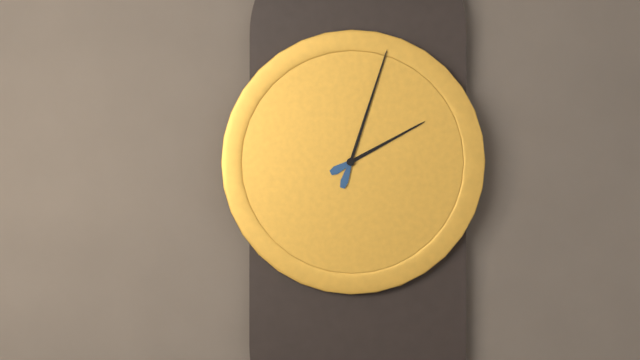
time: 2:03
